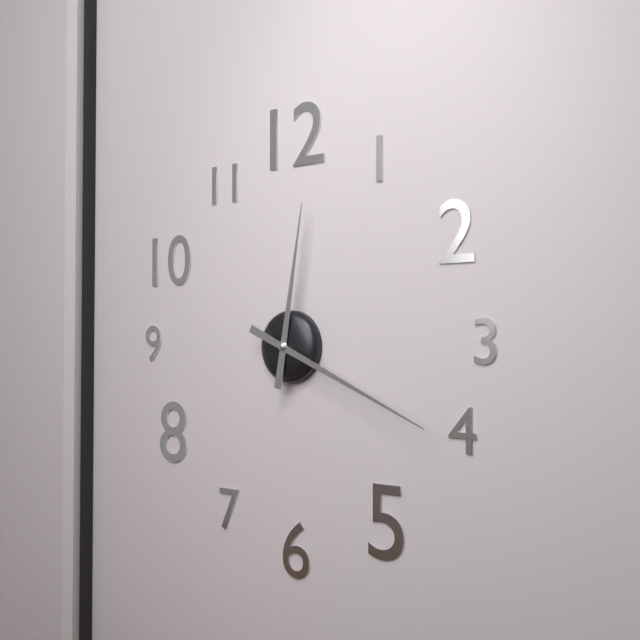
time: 12:19
